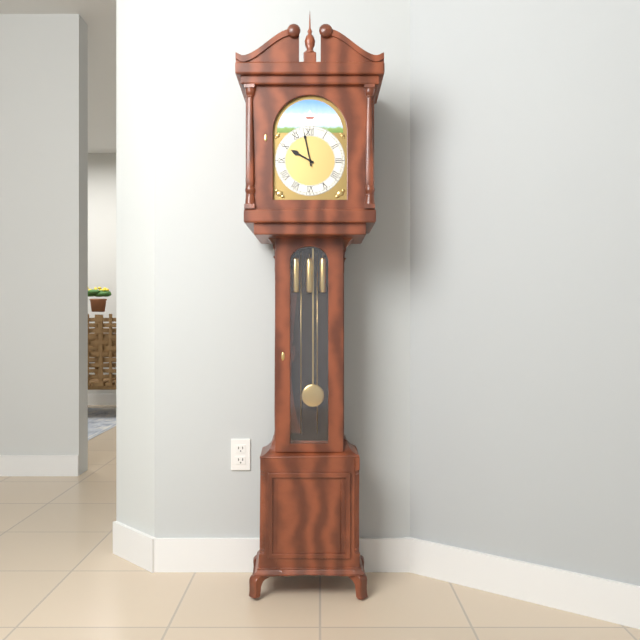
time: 9:58
